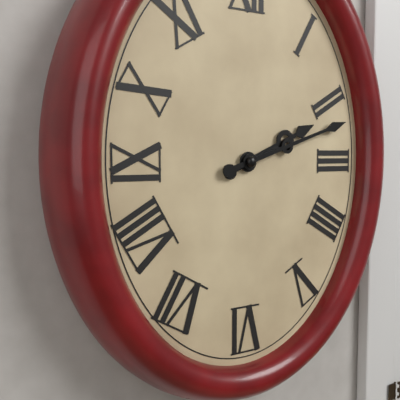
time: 2:12
